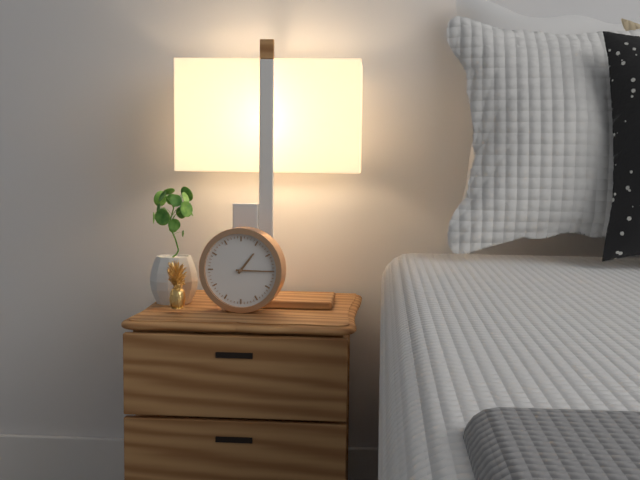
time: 1:15
